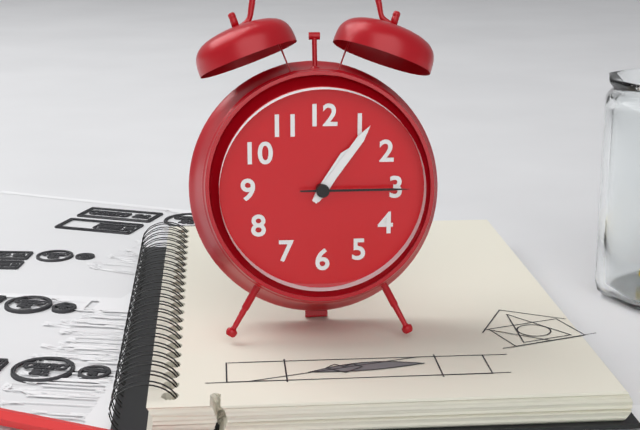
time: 1:06:15
